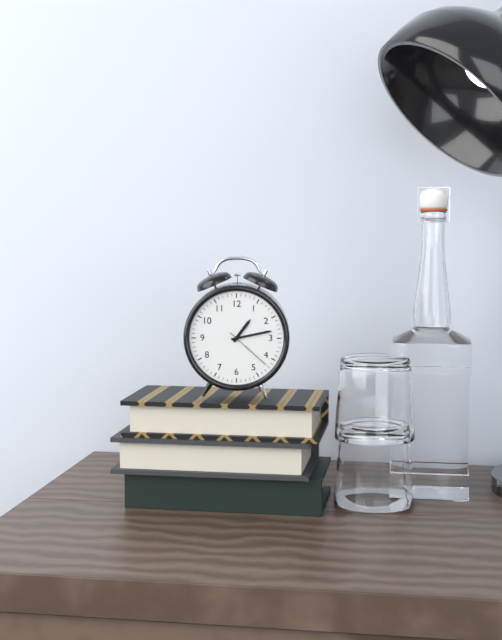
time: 1:13
